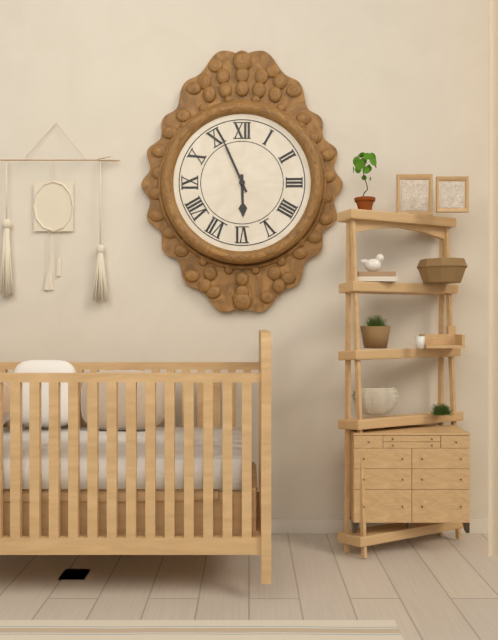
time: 5:56
